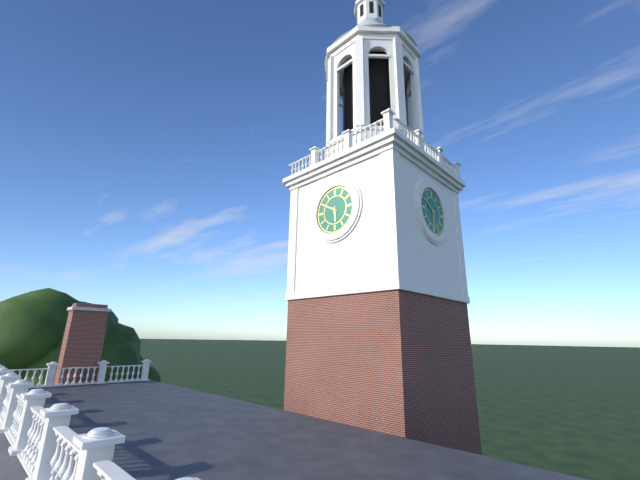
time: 5:50
